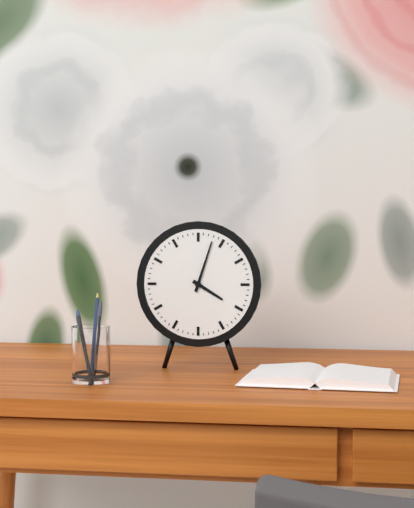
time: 4:03
